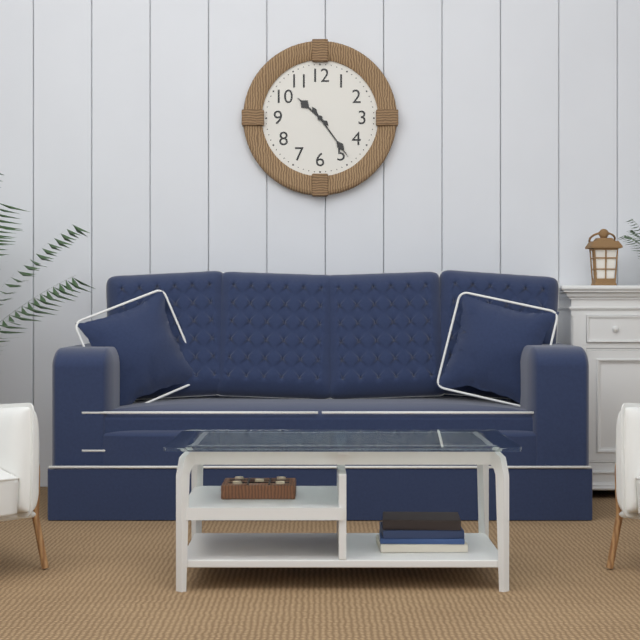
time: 10:24
